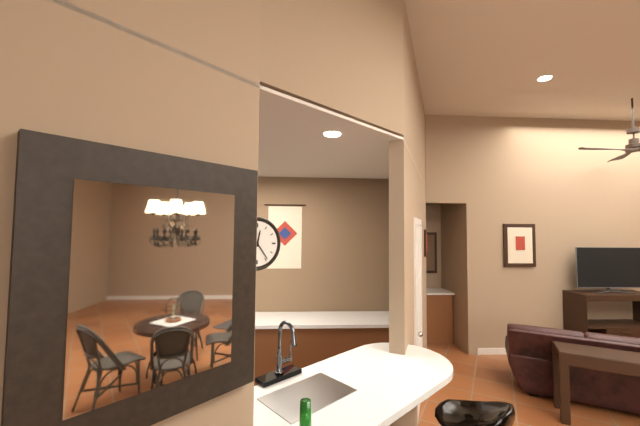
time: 12:24
